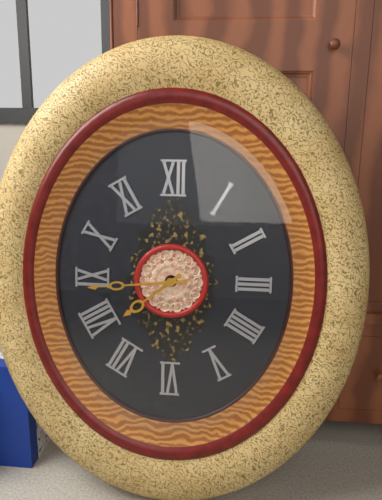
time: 7:44
